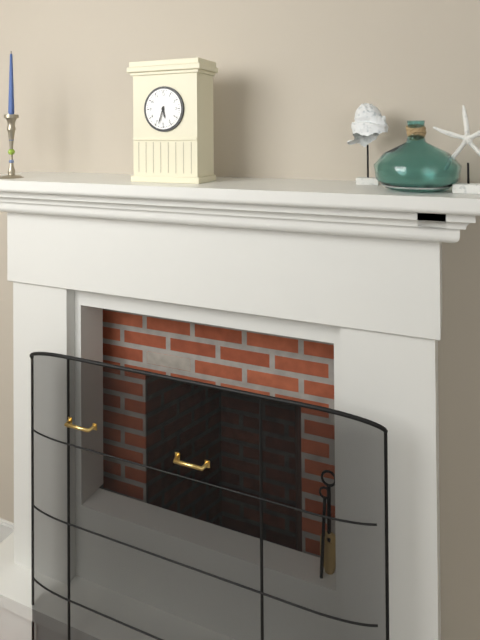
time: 5:33
